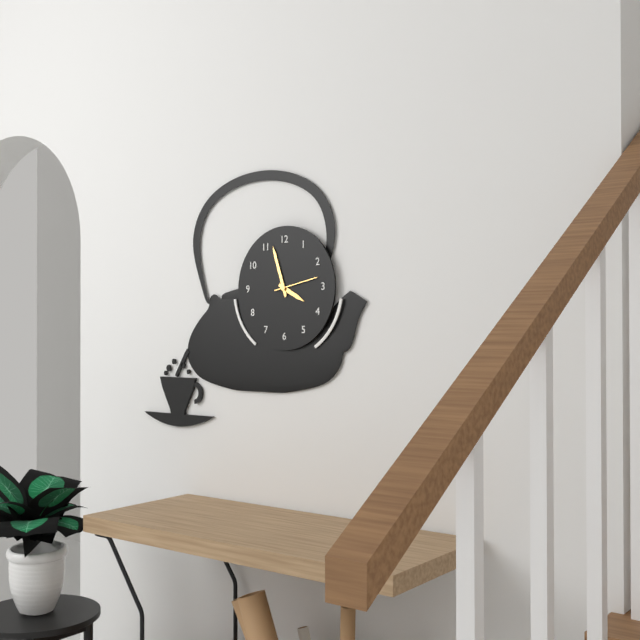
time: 3:57
